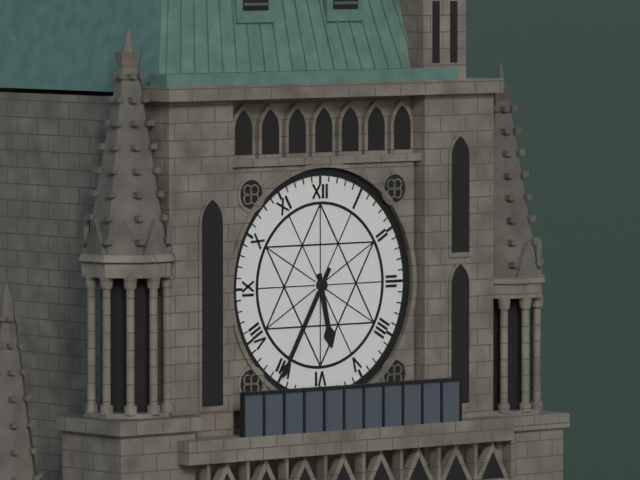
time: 5:35
